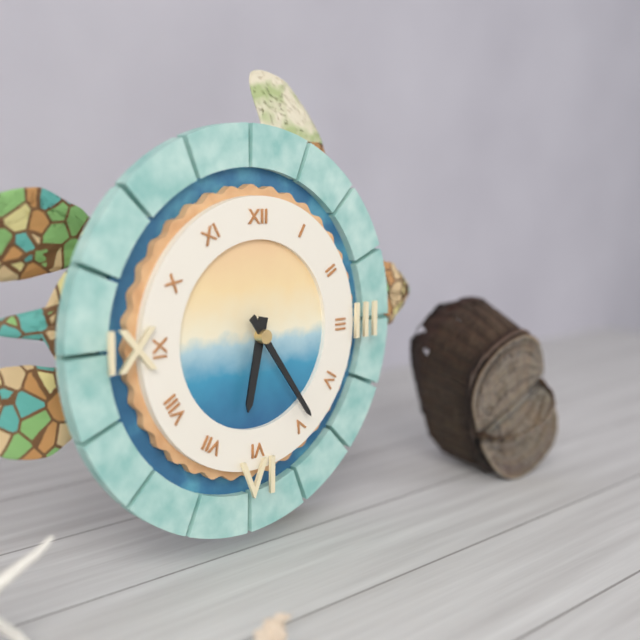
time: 6:24
